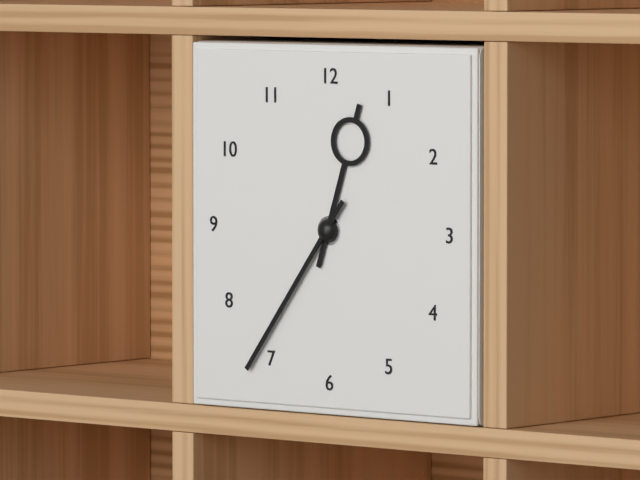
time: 12:36
